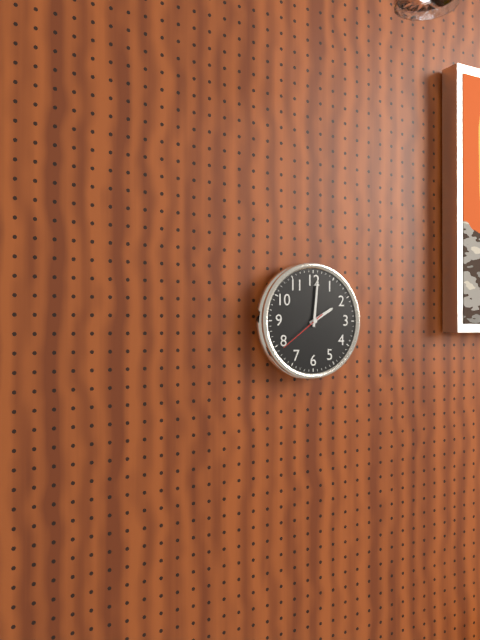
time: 2:01:39
